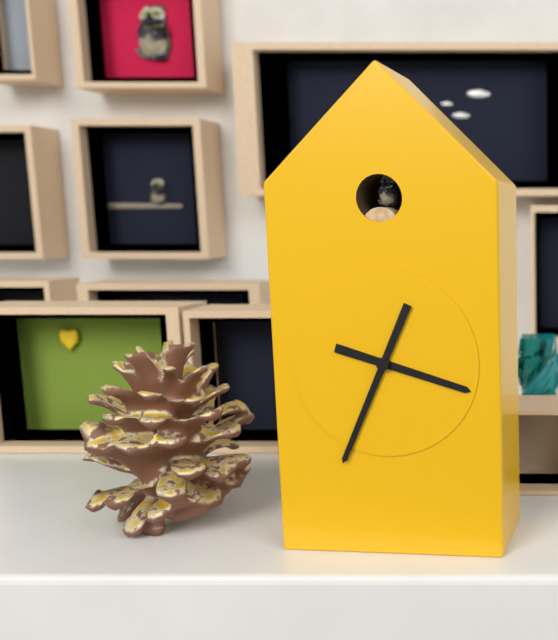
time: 3:34
